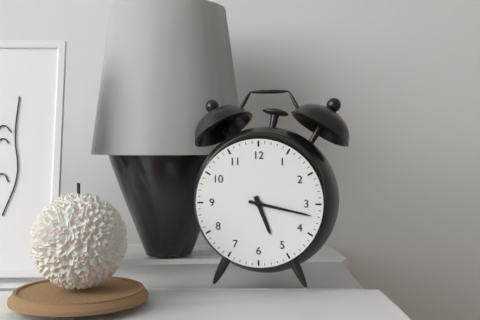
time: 5:17
